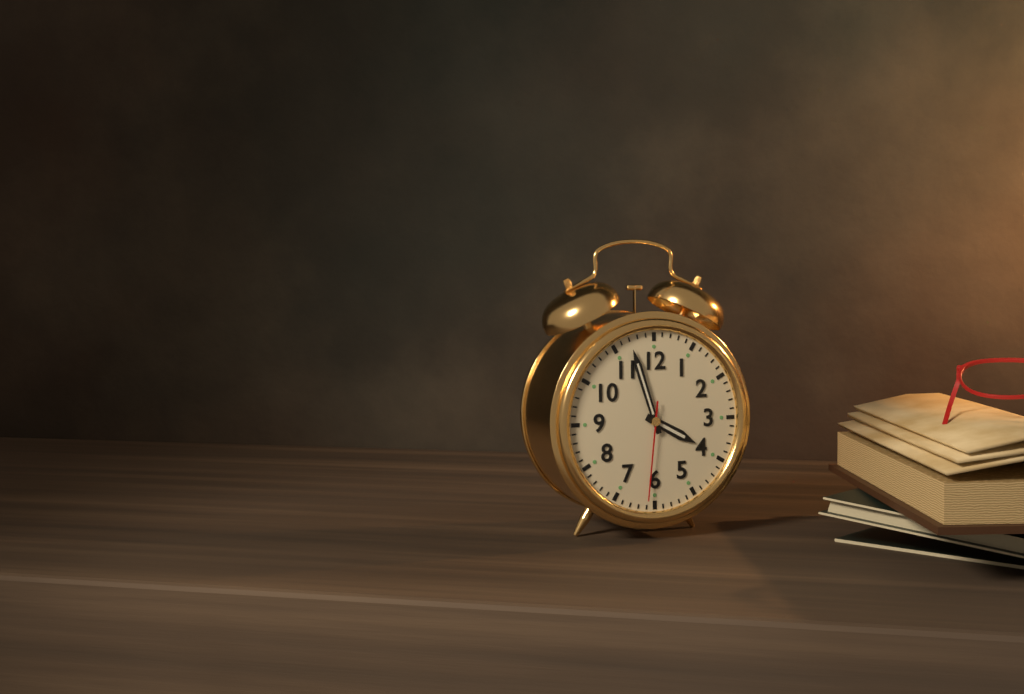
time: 3:57:31
